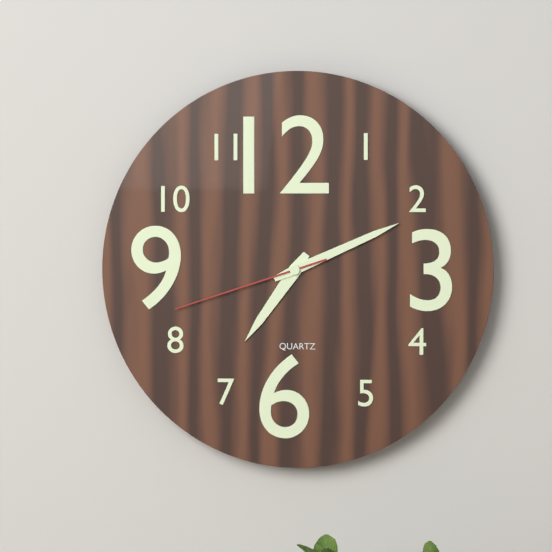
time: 7:11:42
